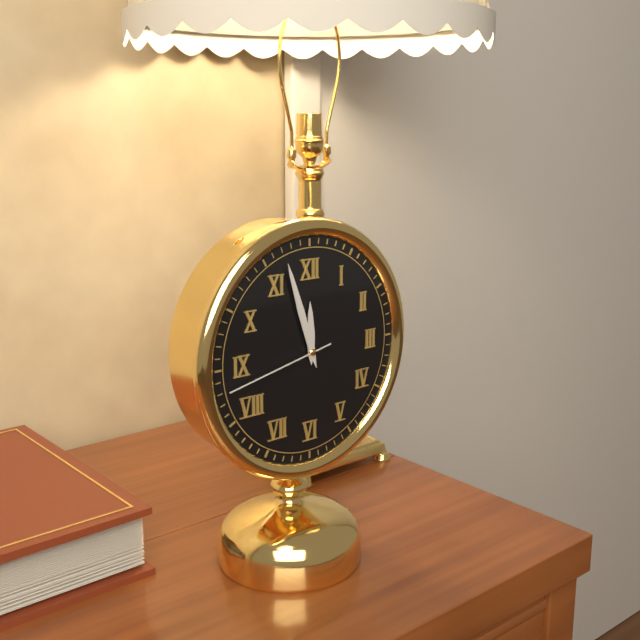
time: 11:57:43
